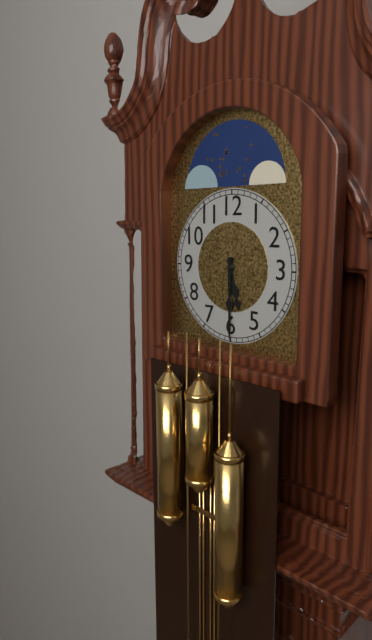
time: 5:30
